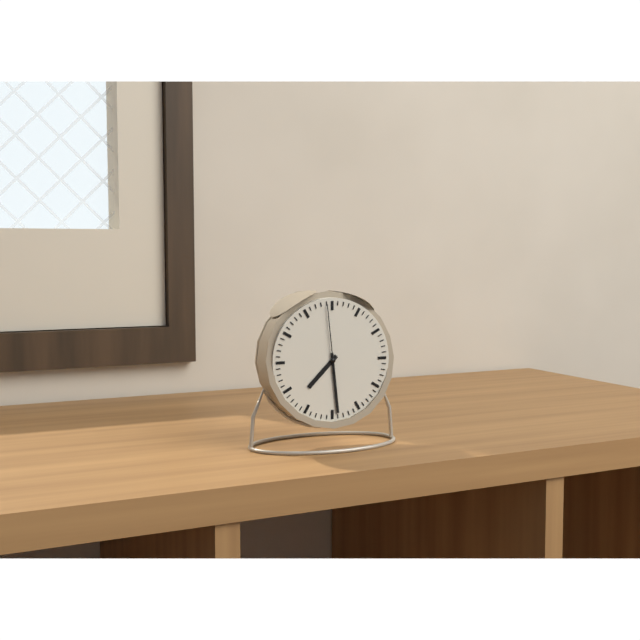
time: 7:29:59
